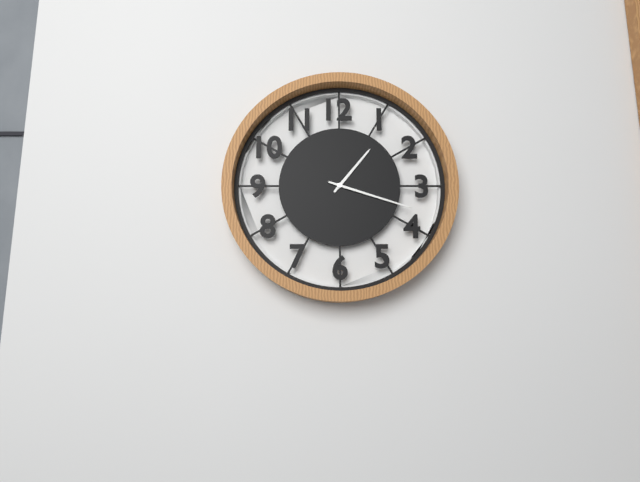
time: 1:18
